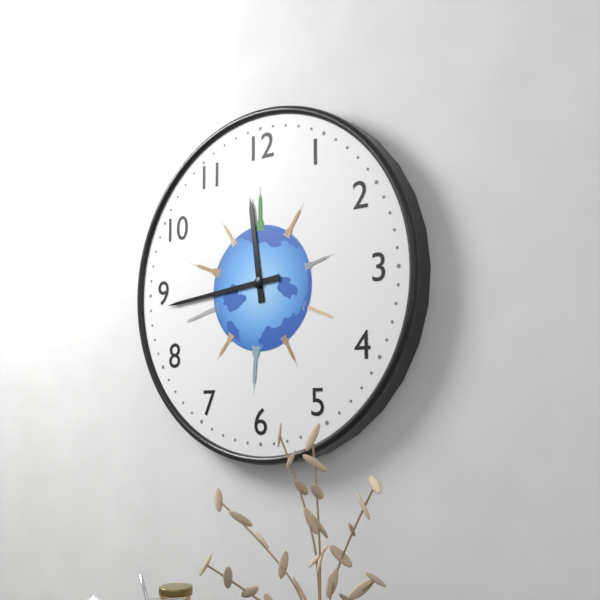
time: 11:44
